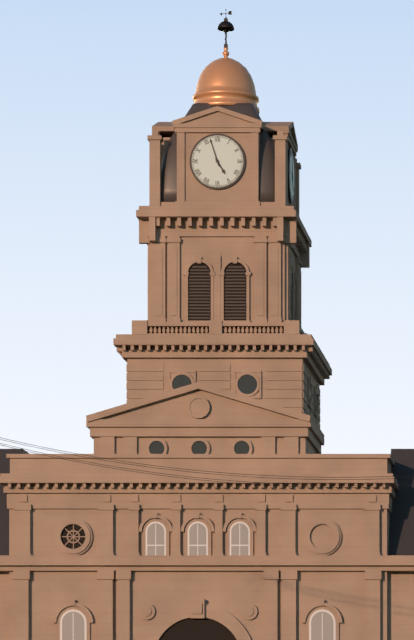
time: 4:57
